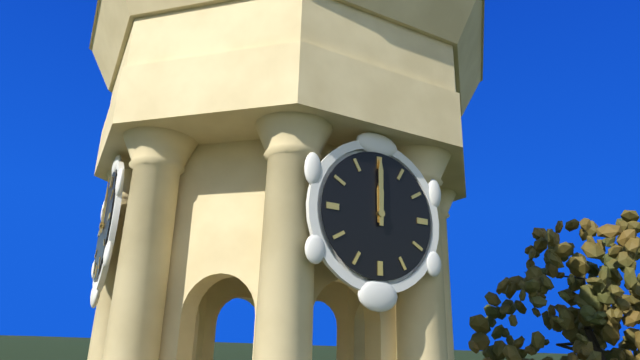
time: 12:00
